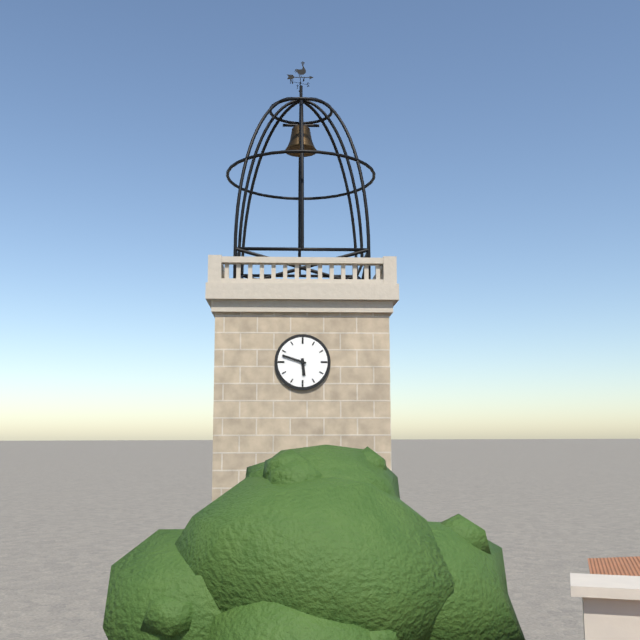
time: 5:48
